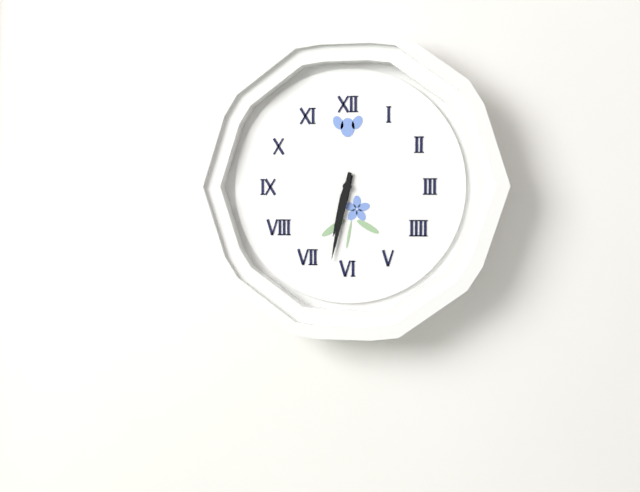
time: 6:32
